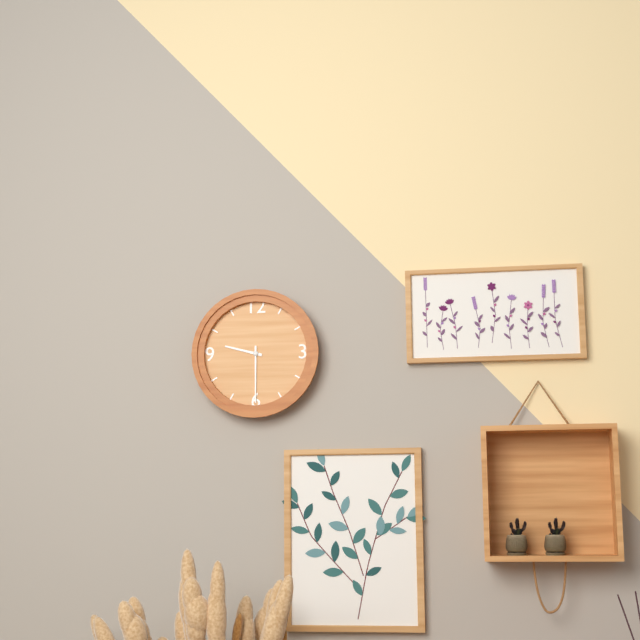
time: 9:30
